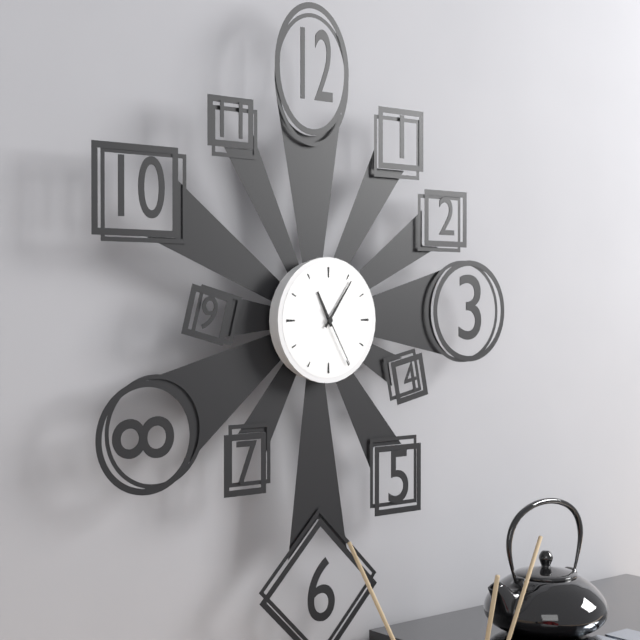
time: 11:06:25
